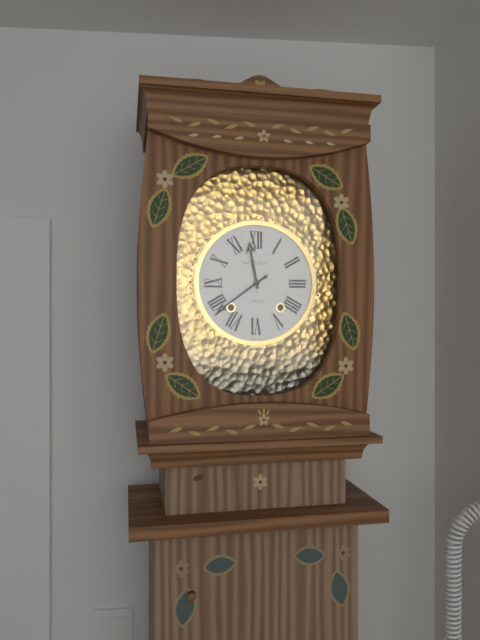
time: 11:39
